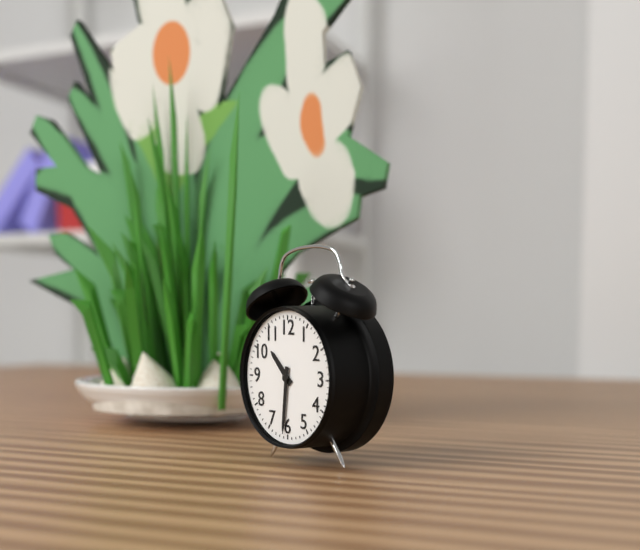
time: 10:31
